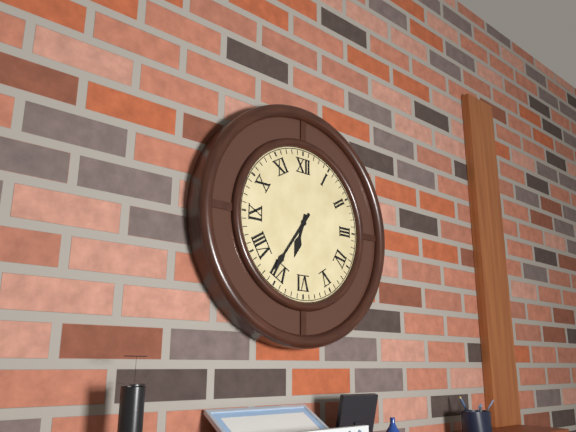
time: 6:36
